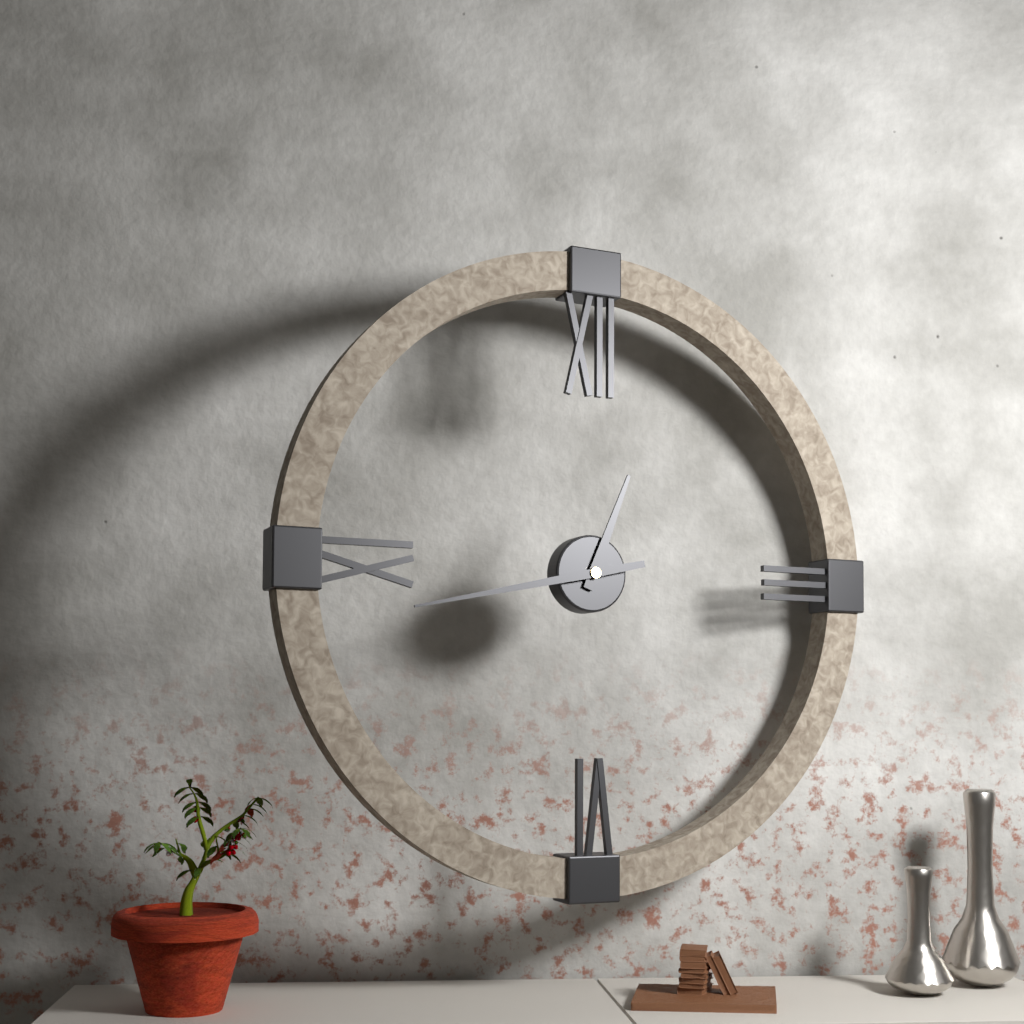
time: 12:43
